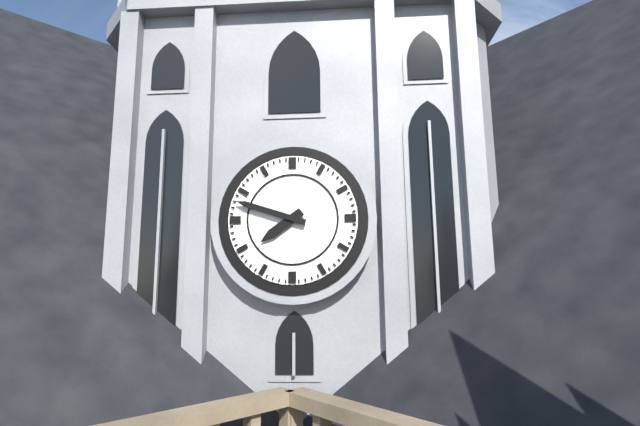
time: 7:48
